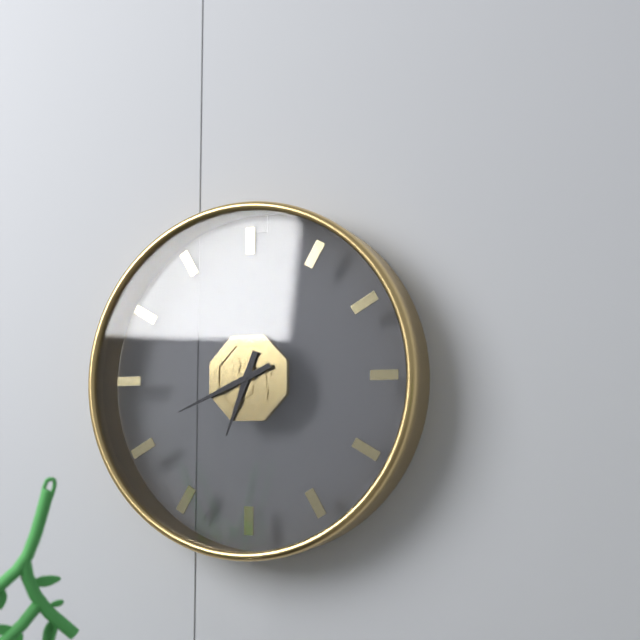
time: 6:41
